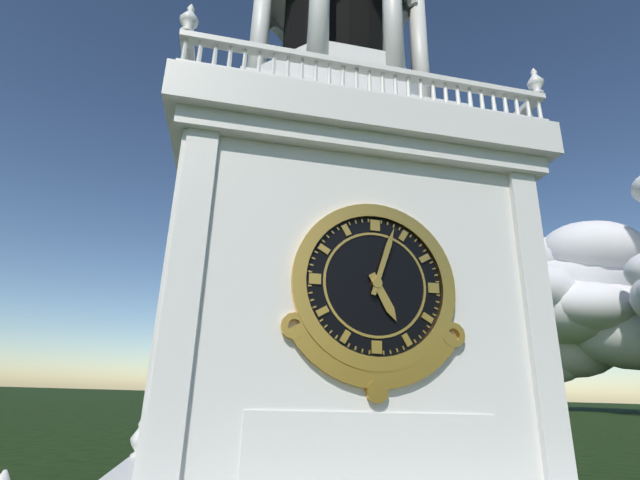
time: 5:03
